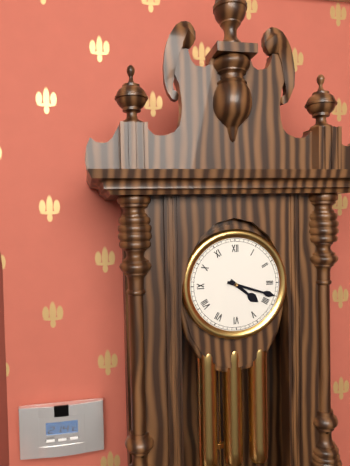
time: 4:18
